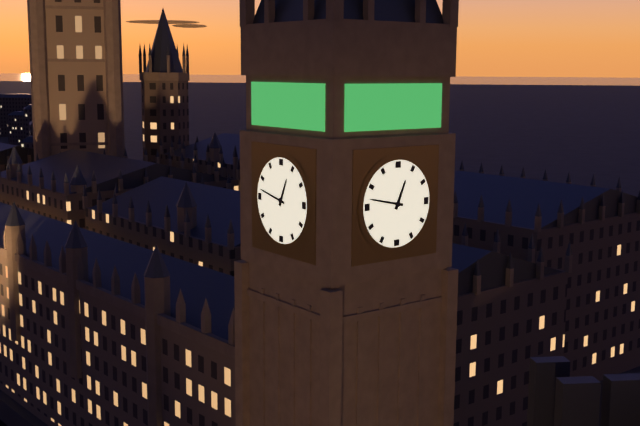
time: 12:47
